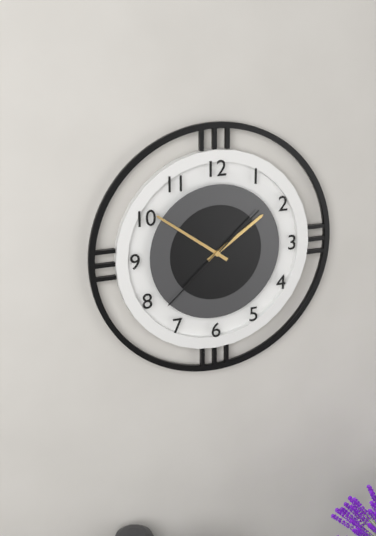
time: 1:51:38
